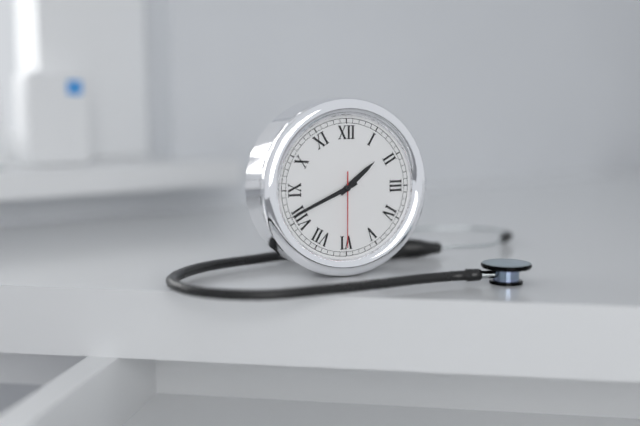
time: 1:41:30
